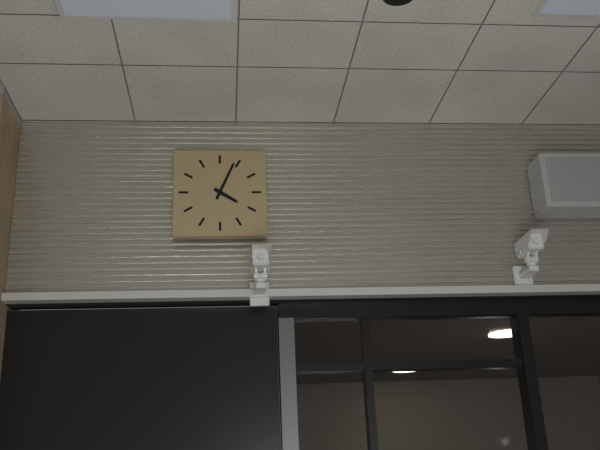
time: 4:04
